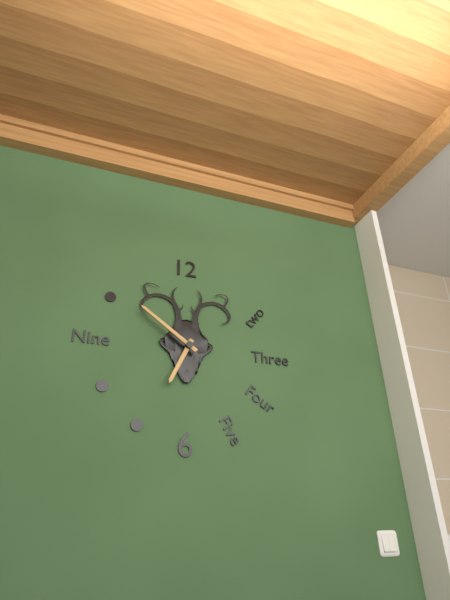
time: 6:51
